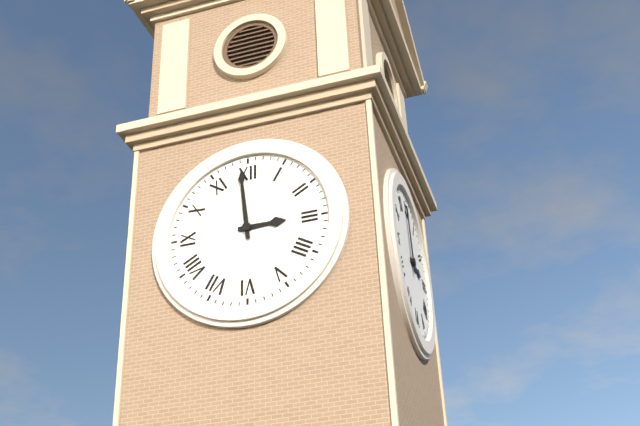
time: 2:59
